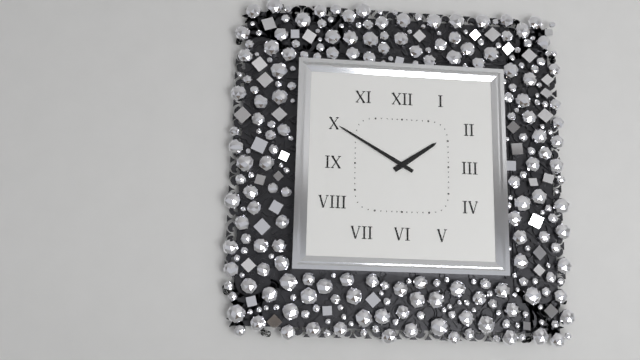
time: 1:50
